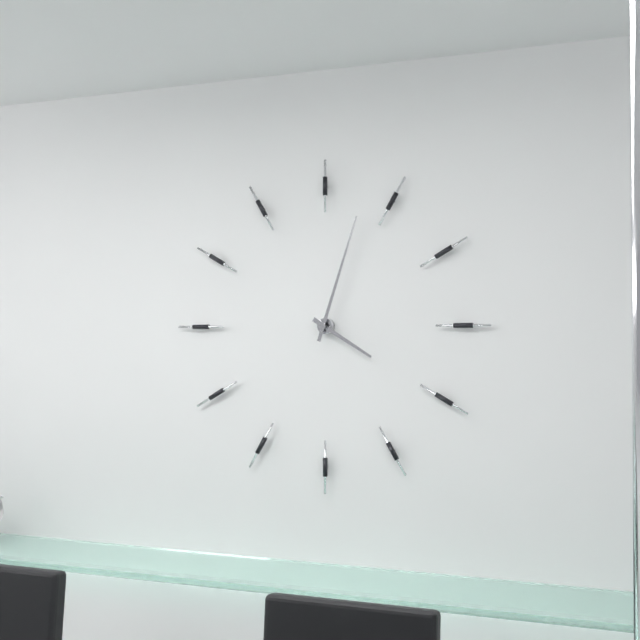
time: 4:03
